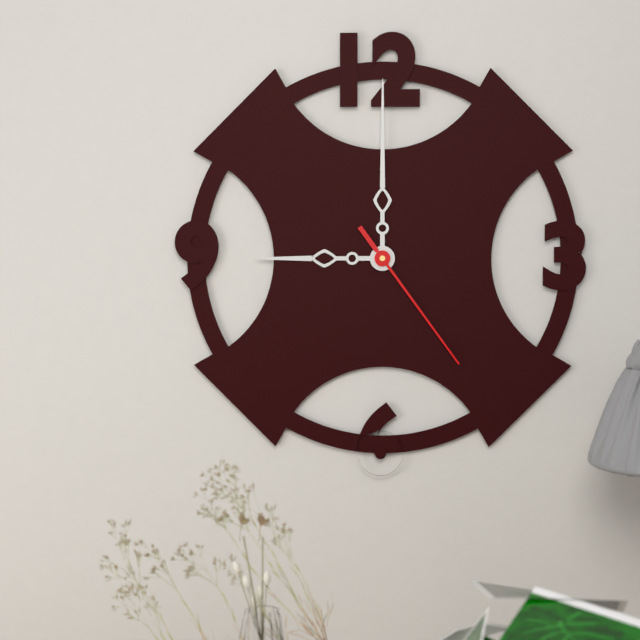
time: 9:00:24
